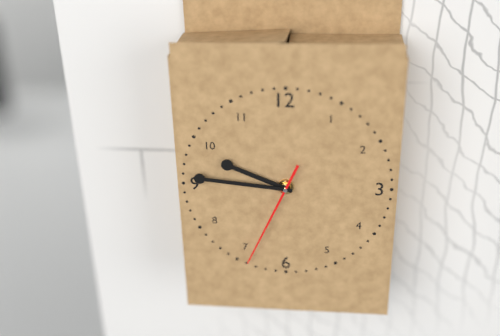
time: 9:46:34
